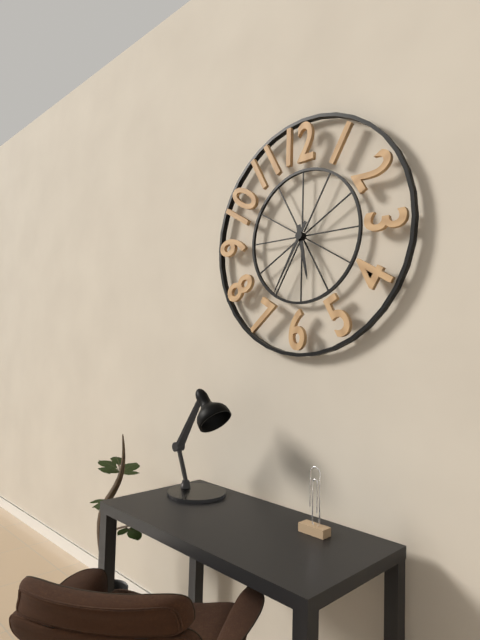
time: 5:35
